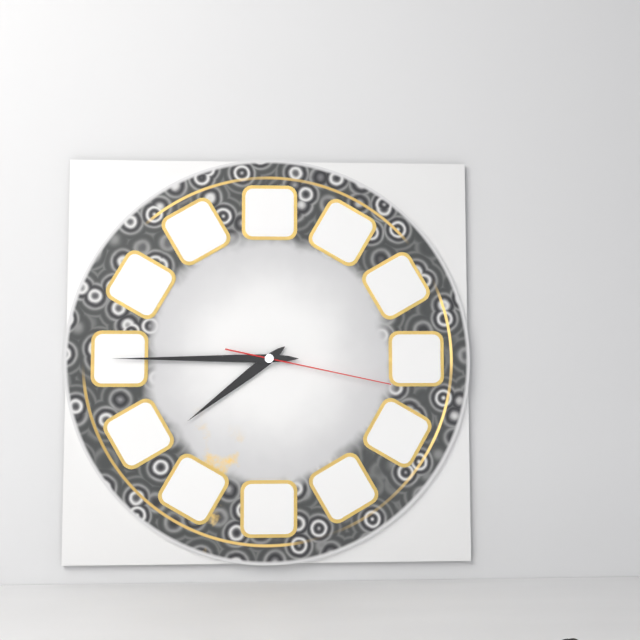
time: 7:45:17
